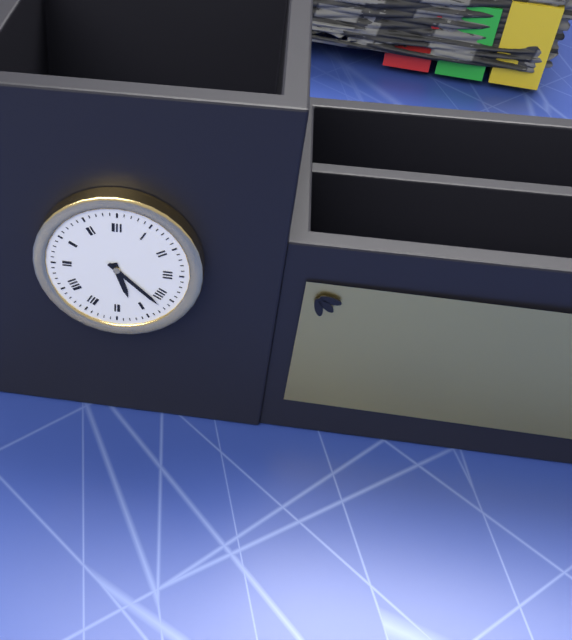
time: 5:22
